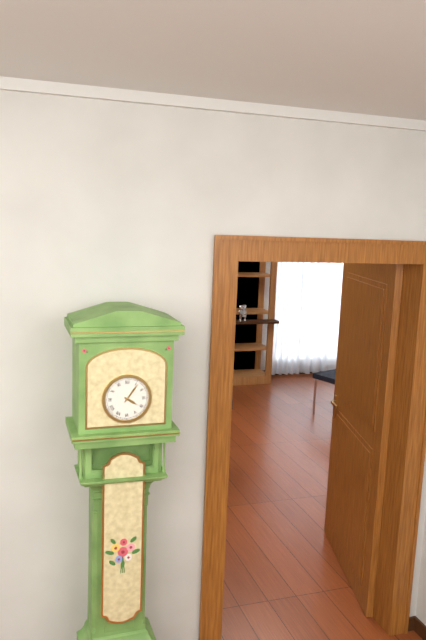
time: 4:06
